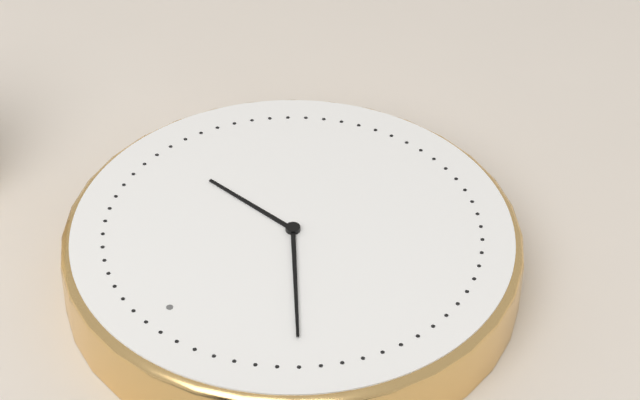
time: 2:52
